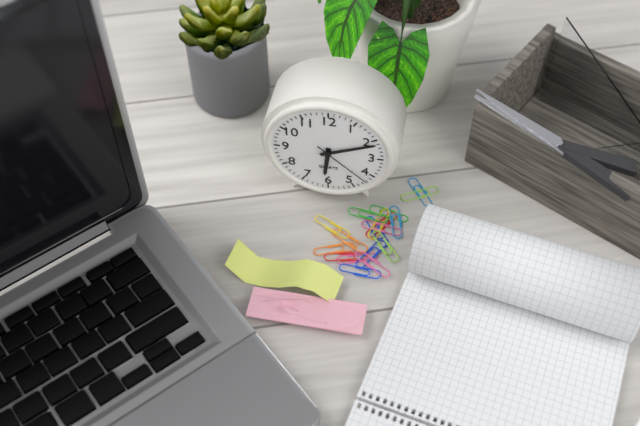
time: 6:11:22
